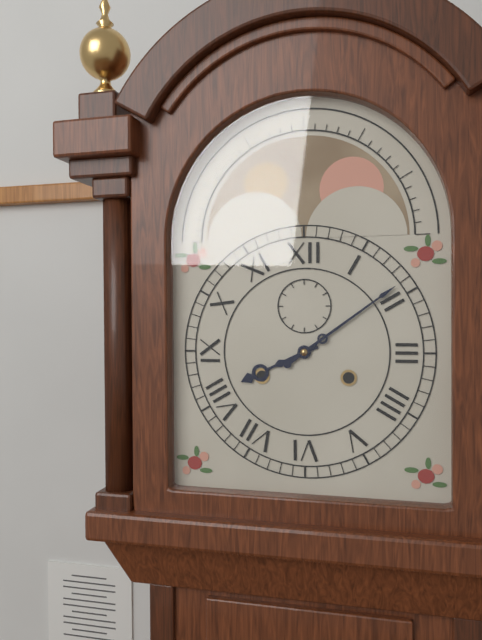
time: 8:09
